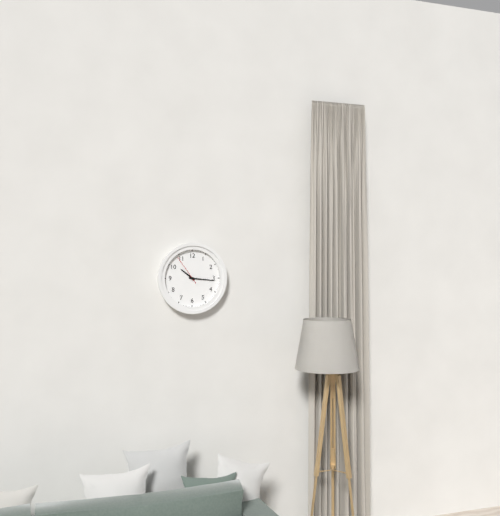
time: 10:16
